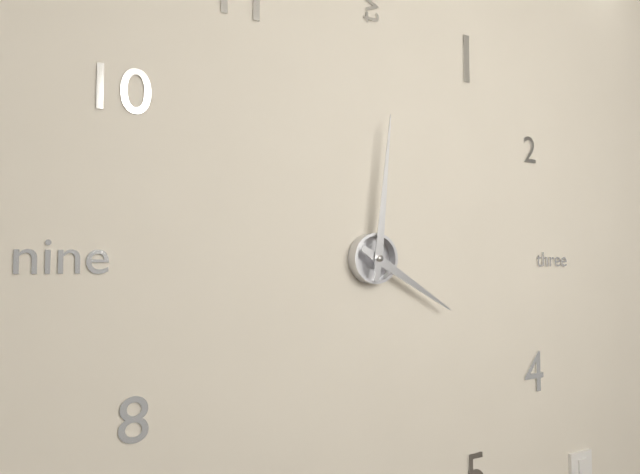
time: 4:01
